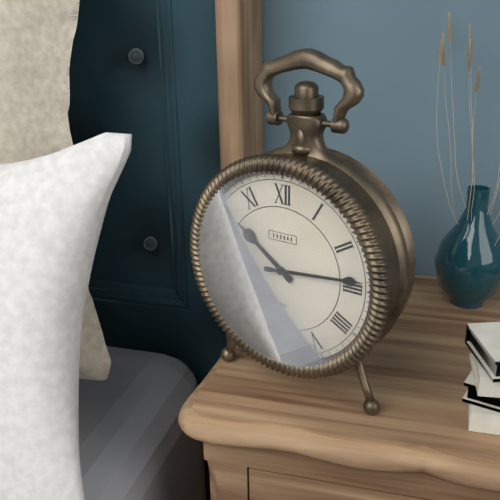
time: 10:14
